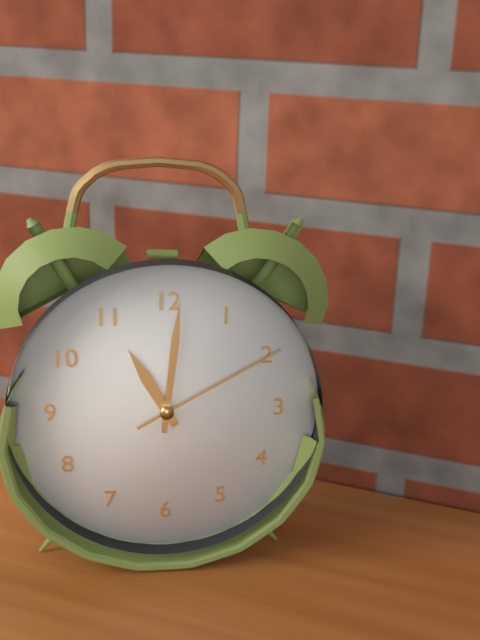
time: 11:01:10
